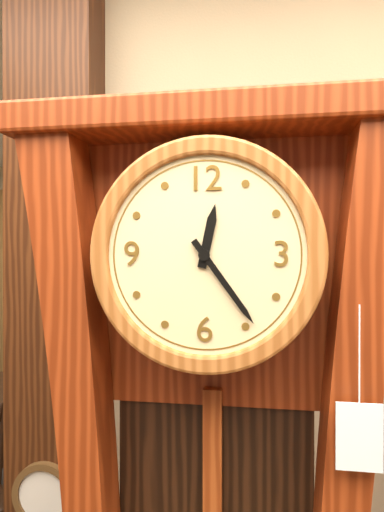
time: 12:24
